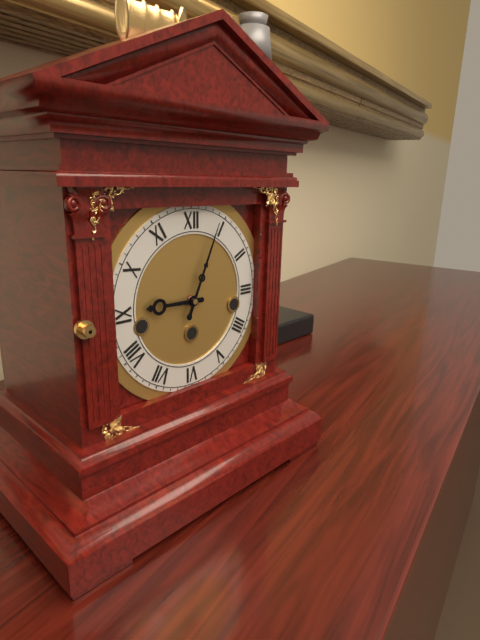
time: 9:04
